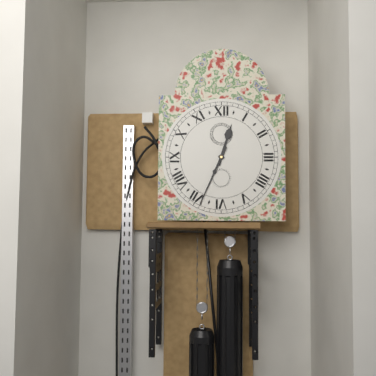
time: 12:34
